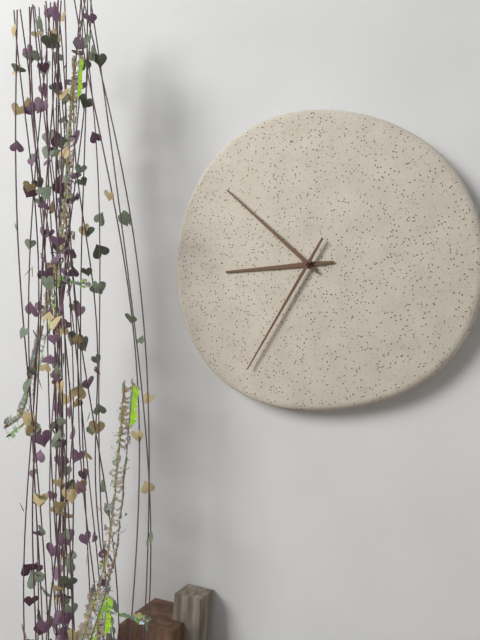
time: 8:52:35
